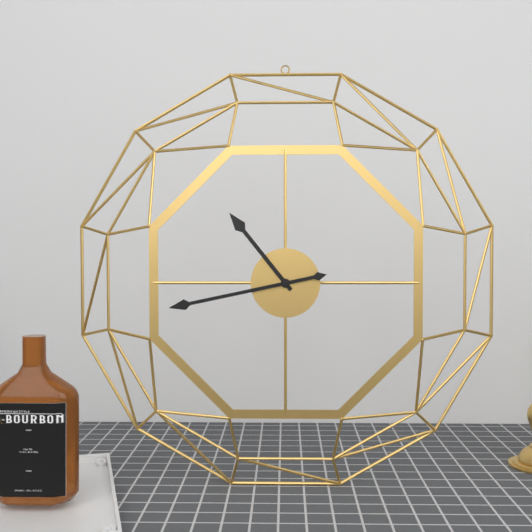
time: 10:43
